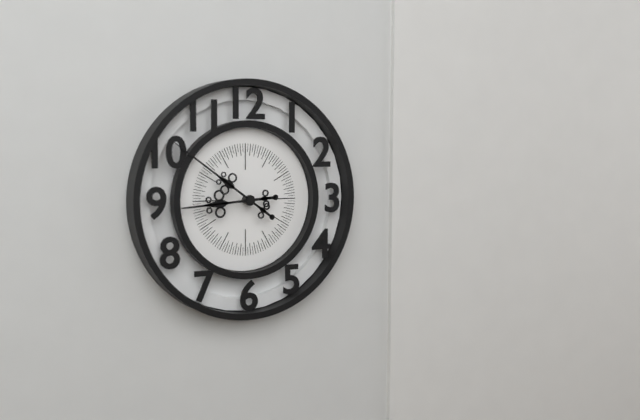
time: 8:51
